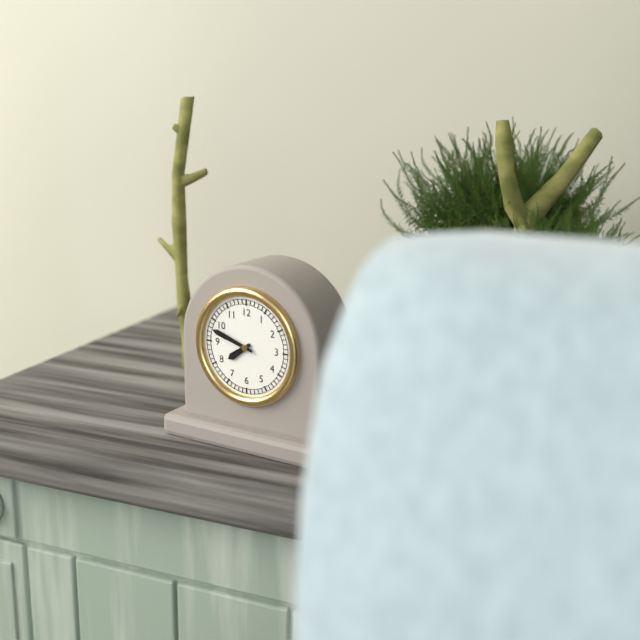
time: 7:48
